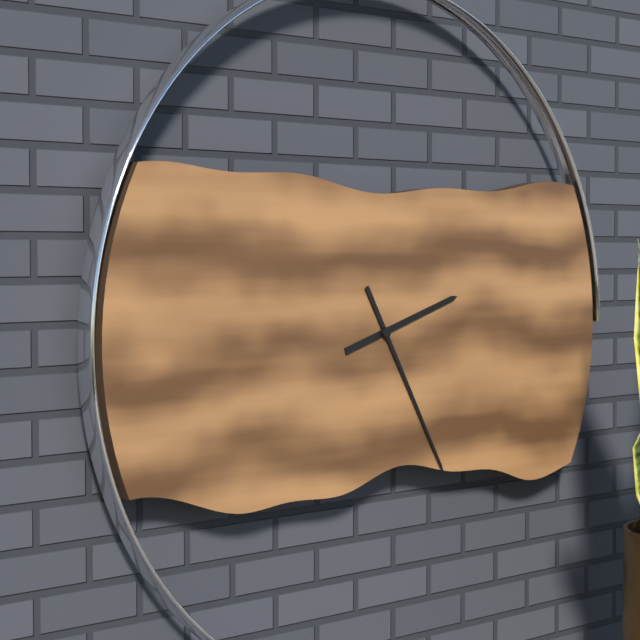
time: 2:25
